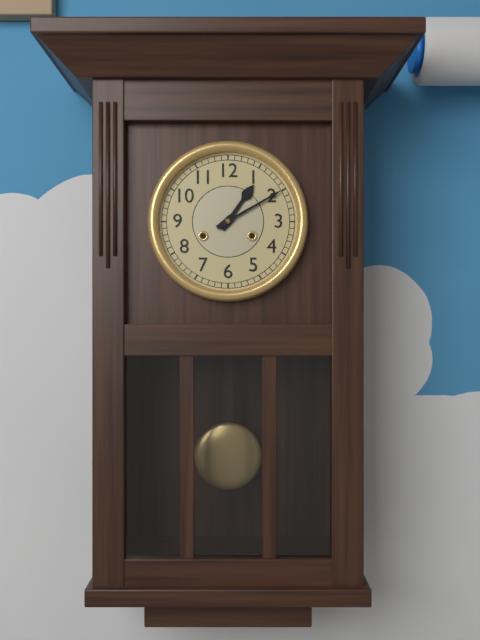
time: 1:10
